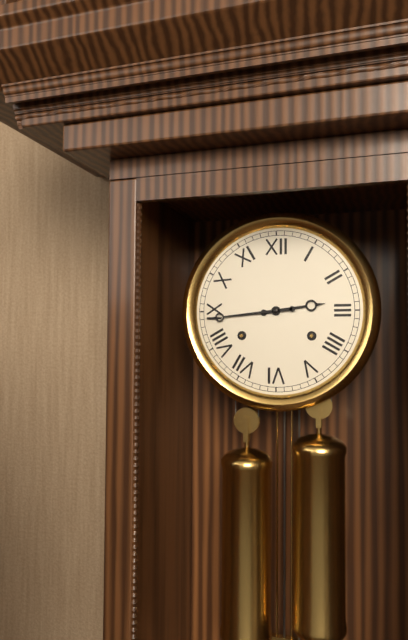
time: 2:44
